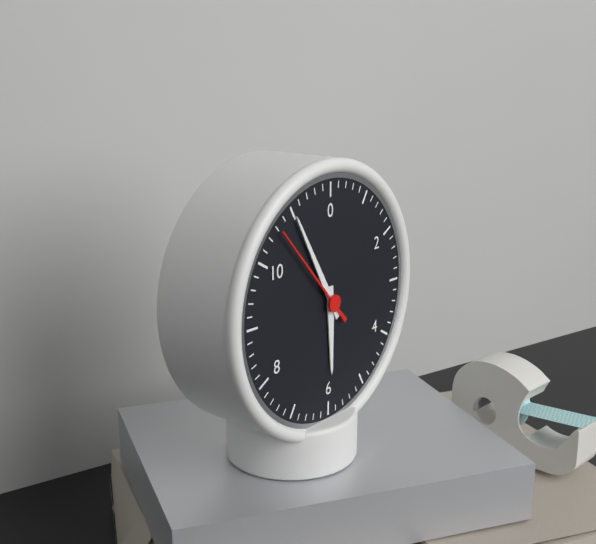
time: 5:55:53
